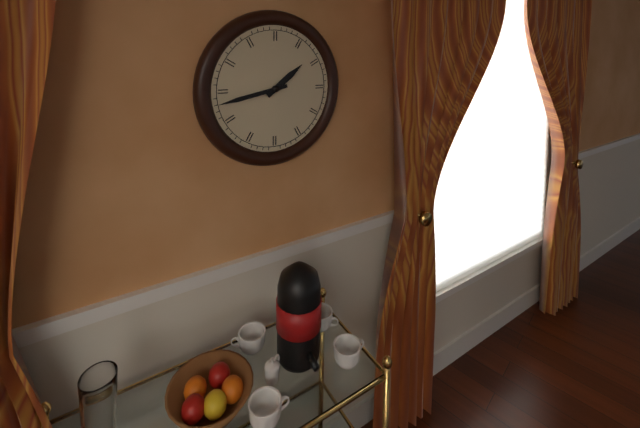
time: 1:43
